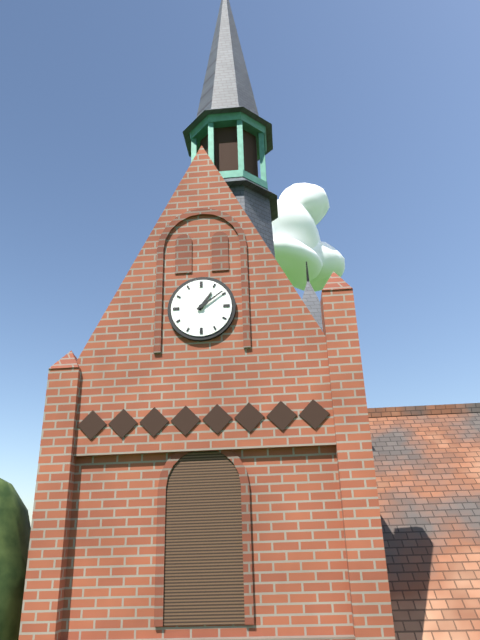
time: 1:09
